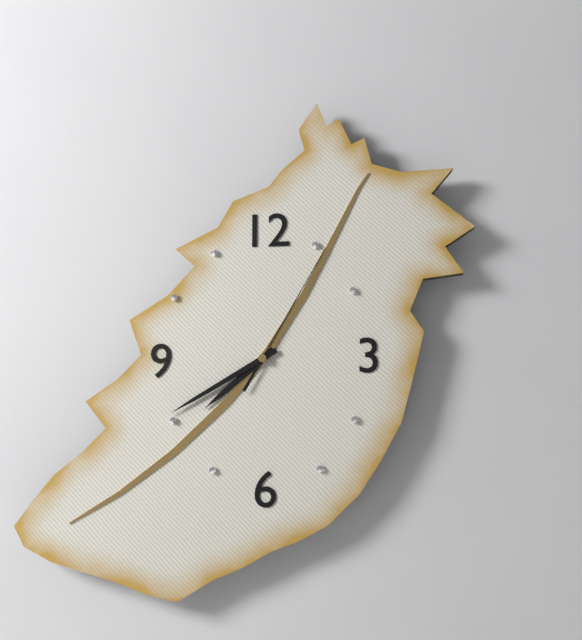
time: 7:40:05
